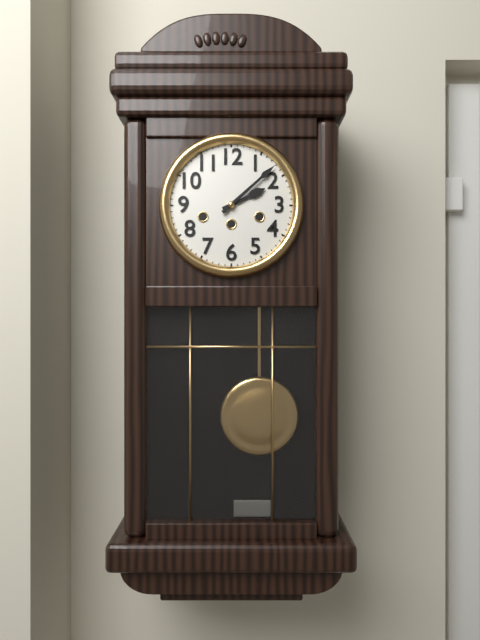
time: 2:08
